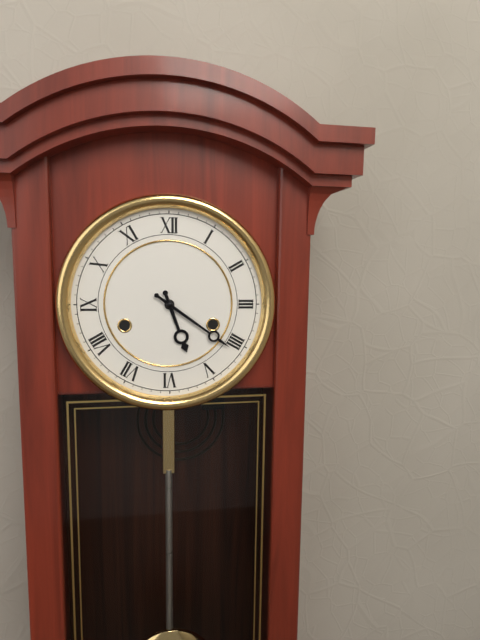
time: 5:21
